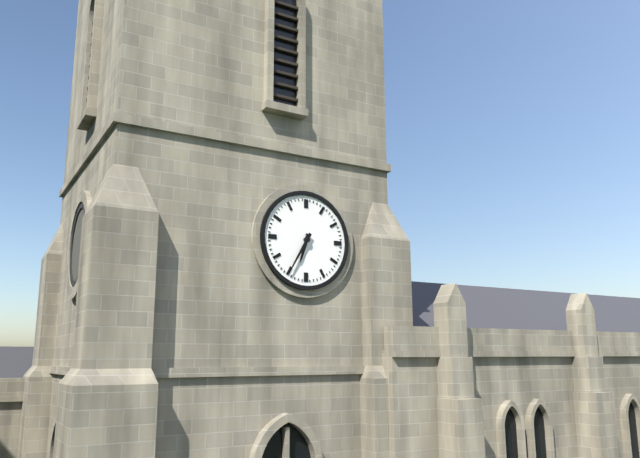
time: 6:35
